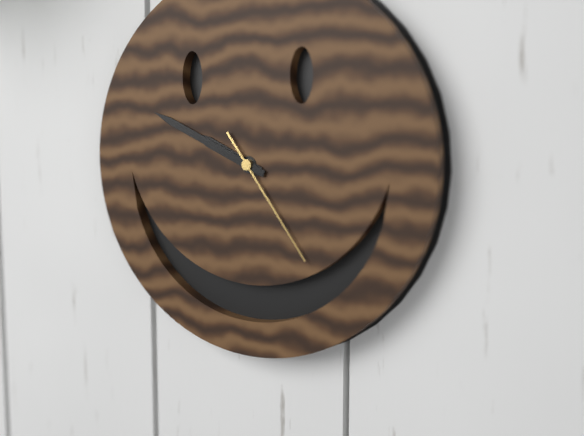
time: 9:49:24
